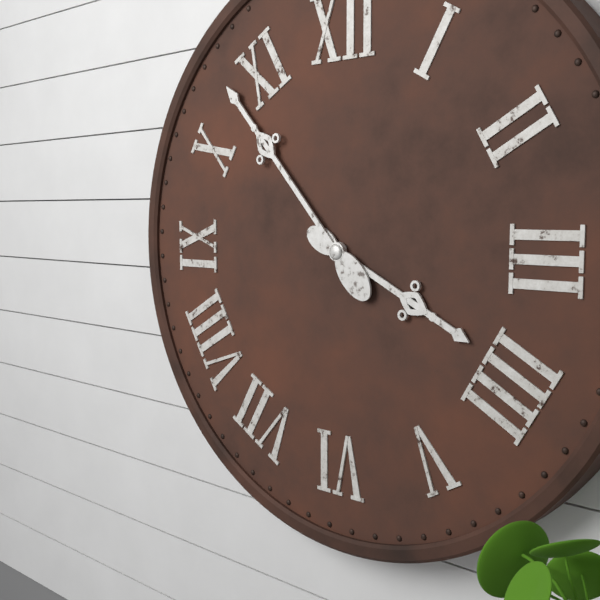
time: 3:53
